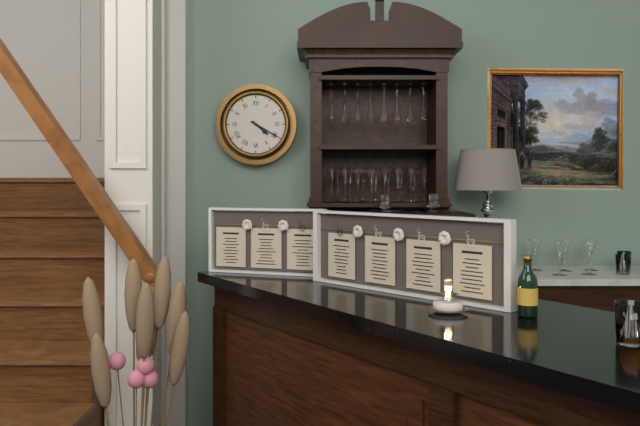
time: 4:20
